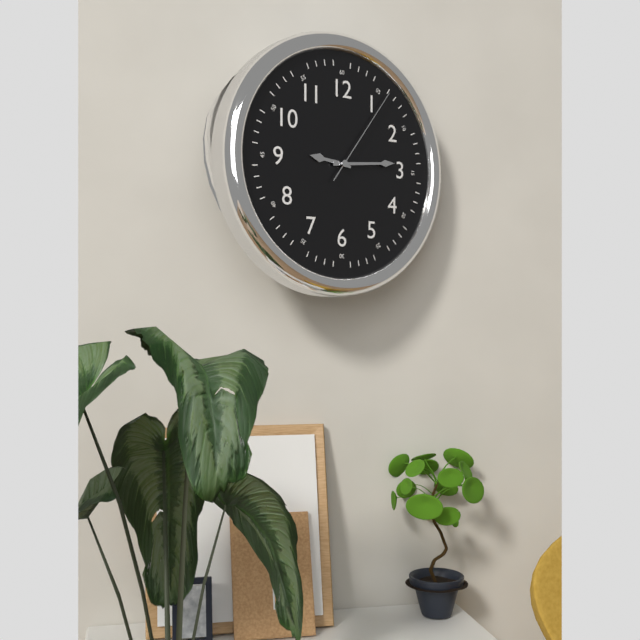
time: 9:14:06
